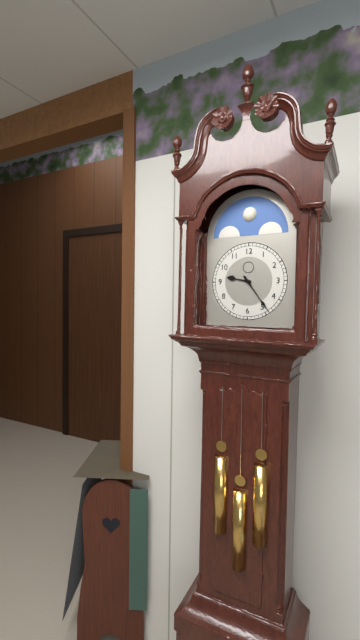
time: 9:24
